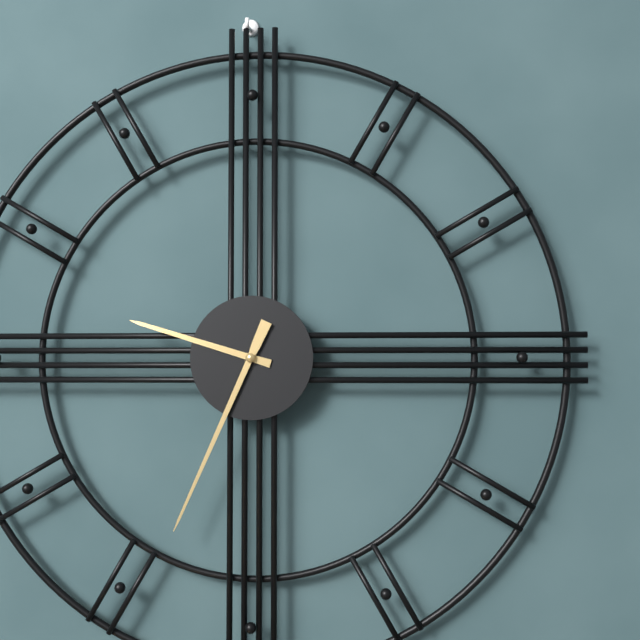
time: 9:34
